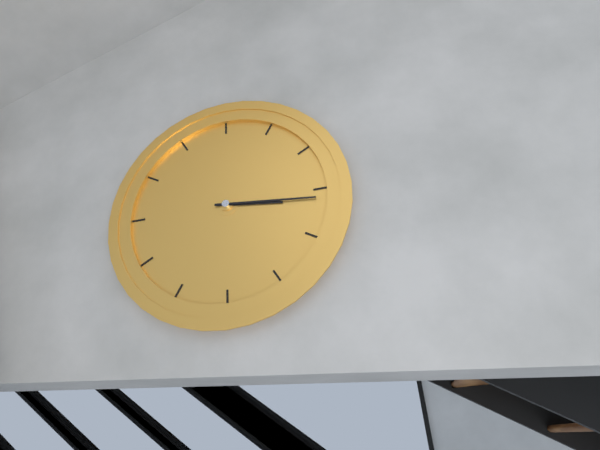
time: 3:16
